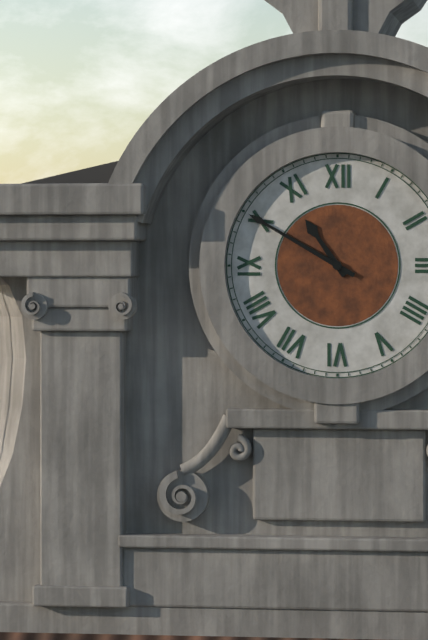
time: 10:50
